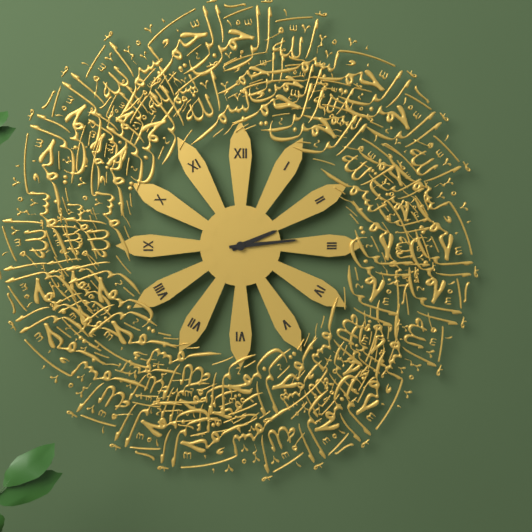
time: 2:14
